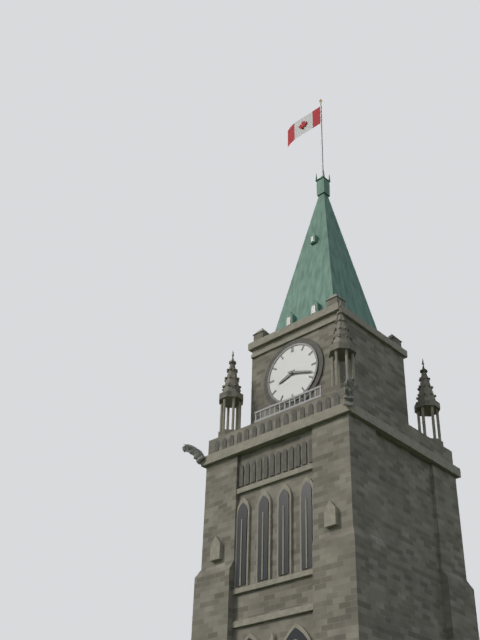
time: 8:18
